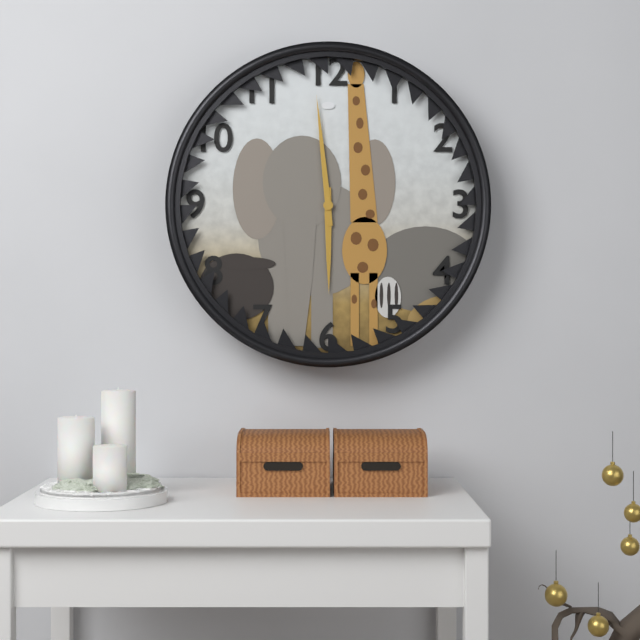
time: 5:59
